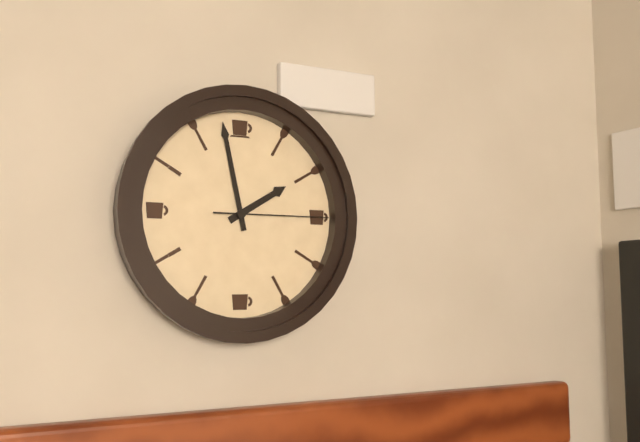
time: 1:58:15
